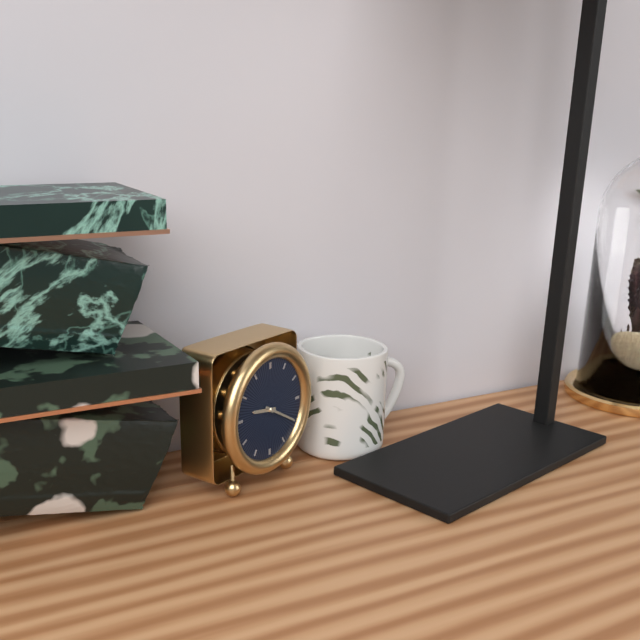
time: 9:20
